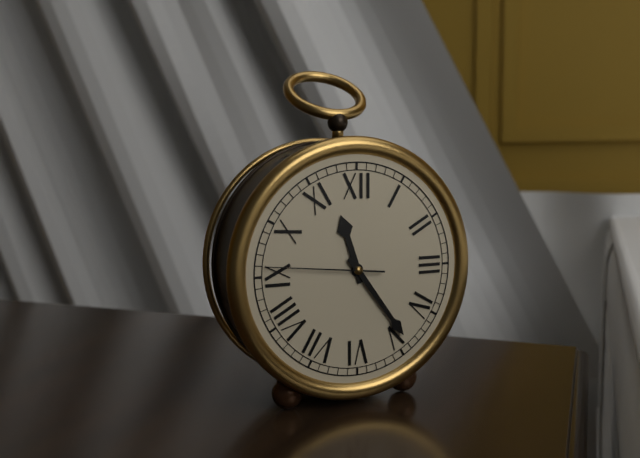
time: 11:24:46
